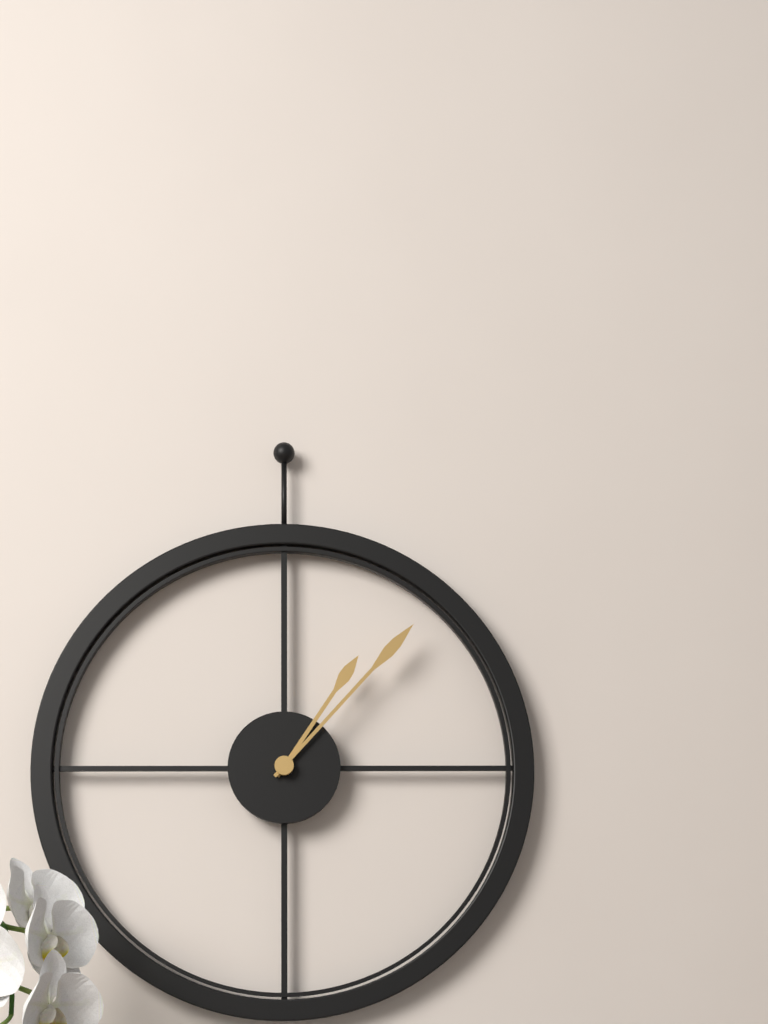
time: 1:07
